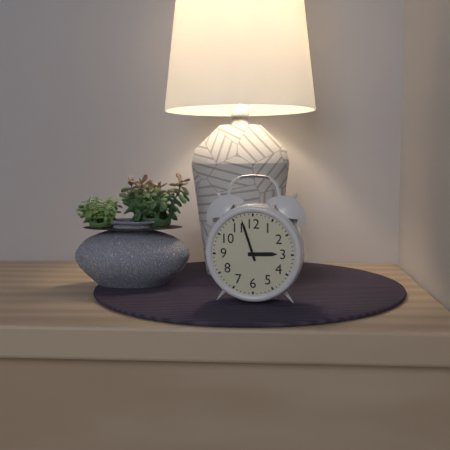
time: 2:57
